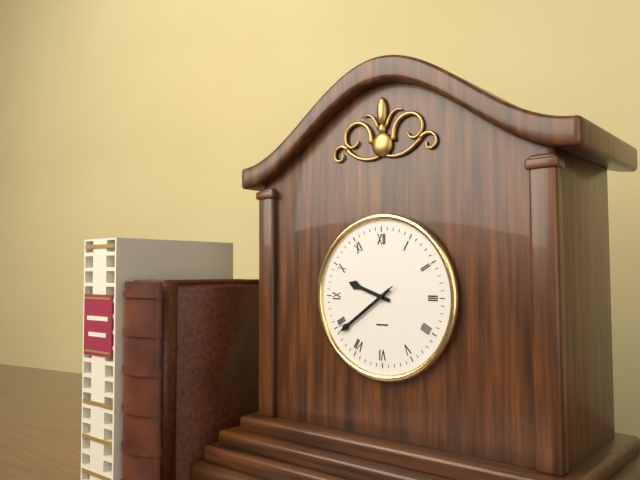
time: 9:39:39
